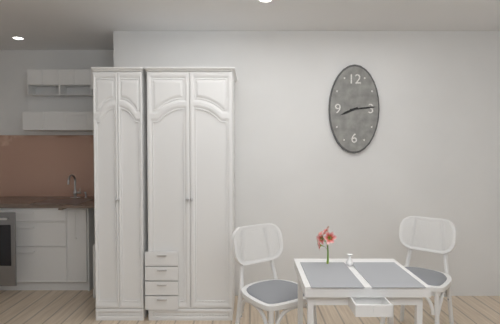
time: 8:14
